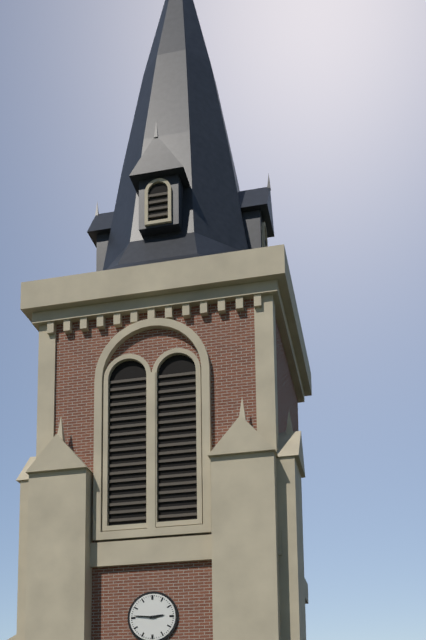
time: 2:46
